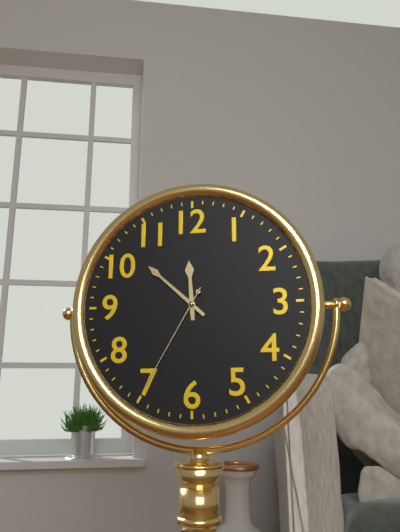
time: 11:52:35
